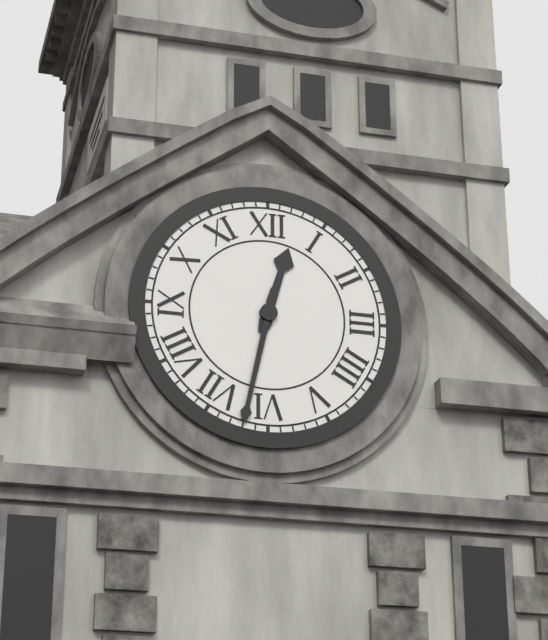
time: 12:32
